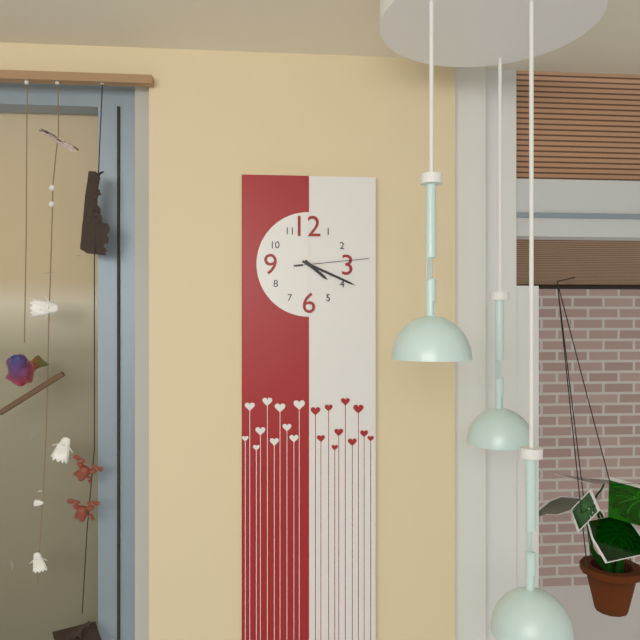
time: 4:19:14
